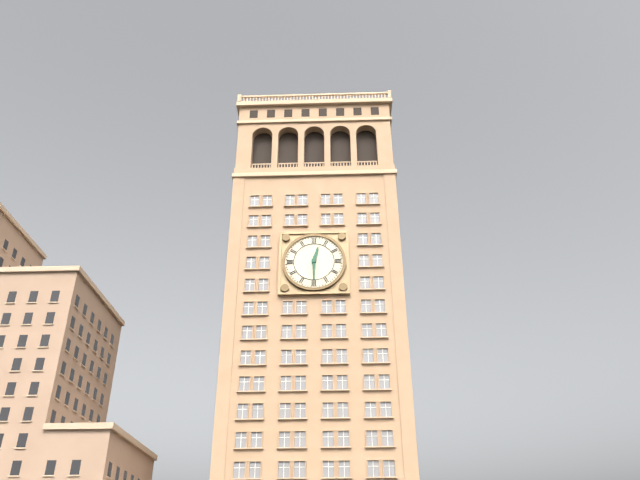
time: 12:30
